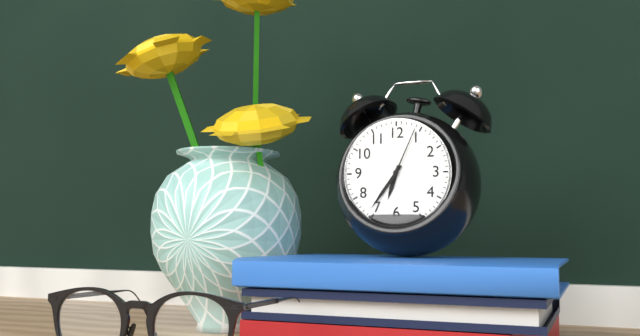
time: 6:36:04
